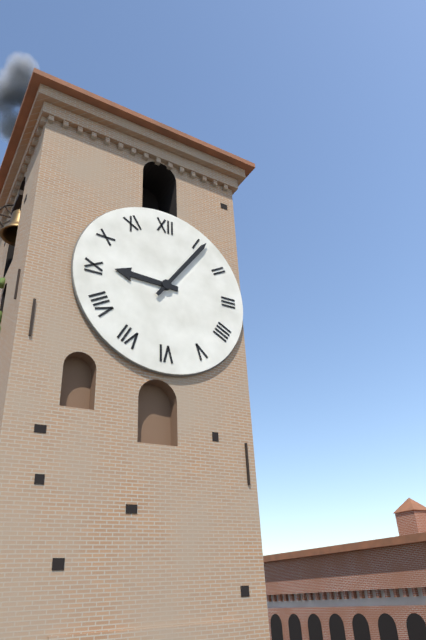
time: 9:06
